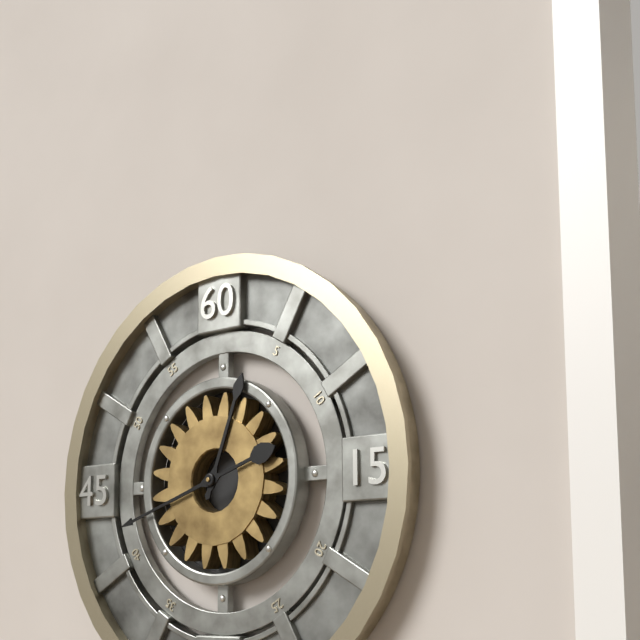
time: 12:42
